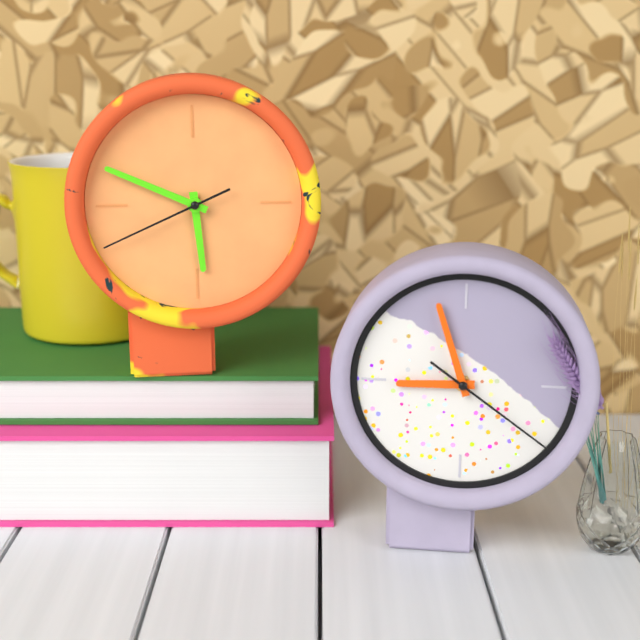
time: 5:49:41
